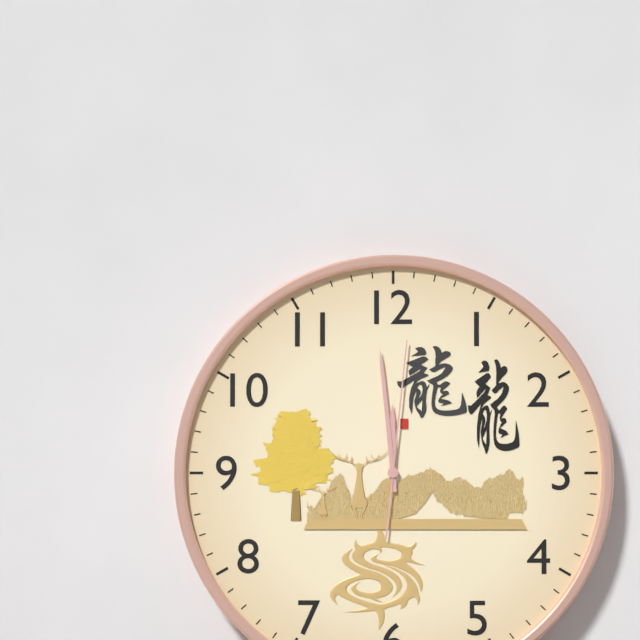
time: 11:59:01
